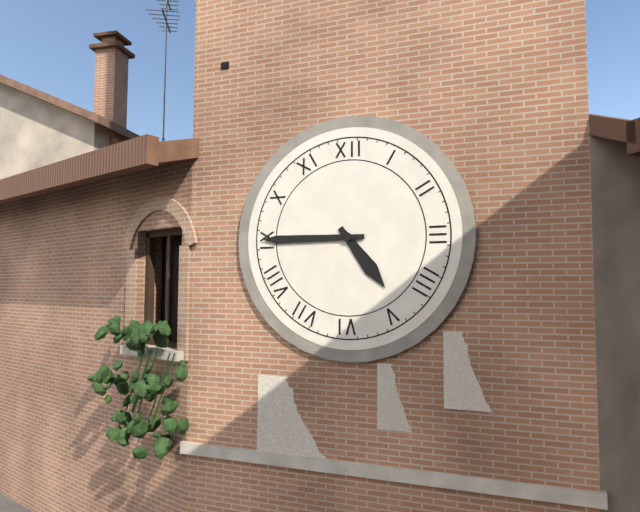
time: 4:45
